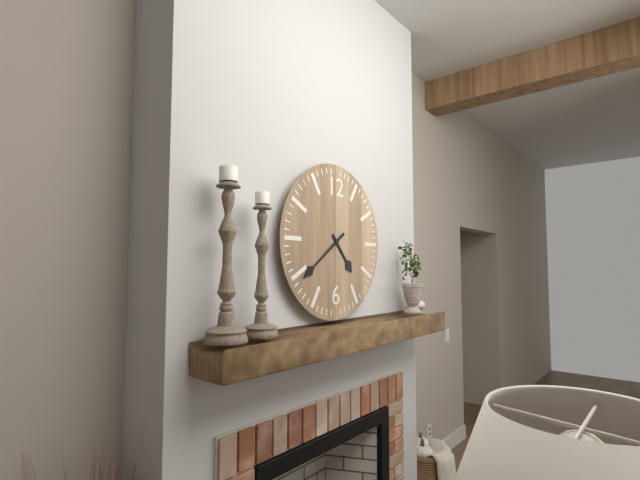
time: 4:39
